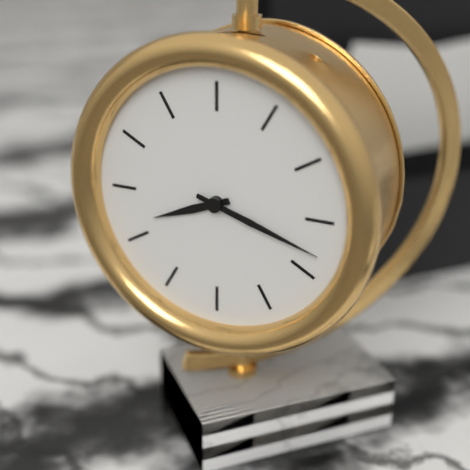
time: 8:18
